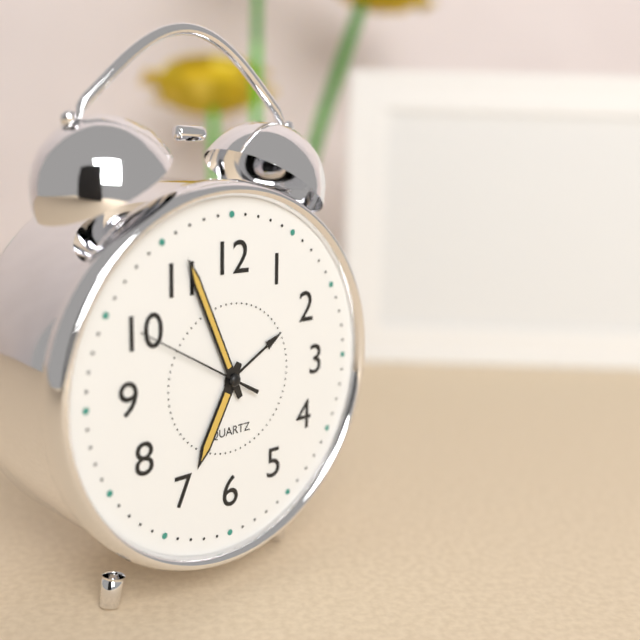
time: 6:56:50
